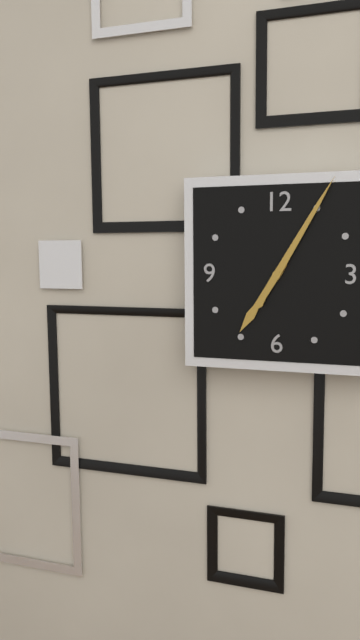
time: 7:05
